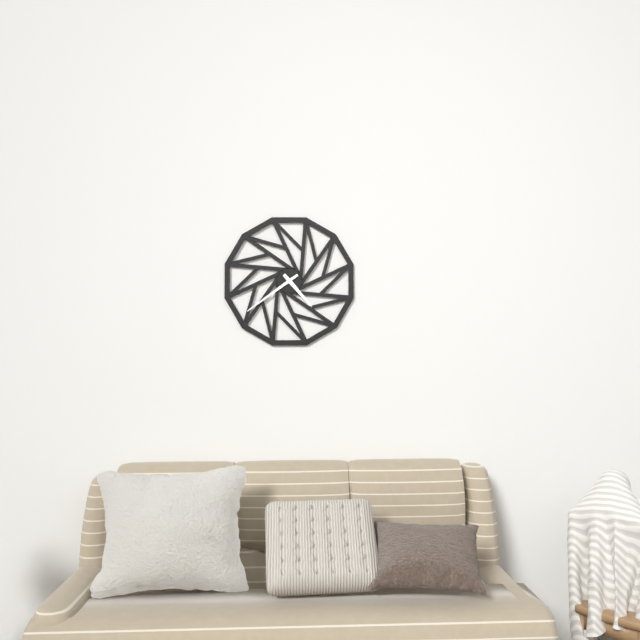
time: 4:39
